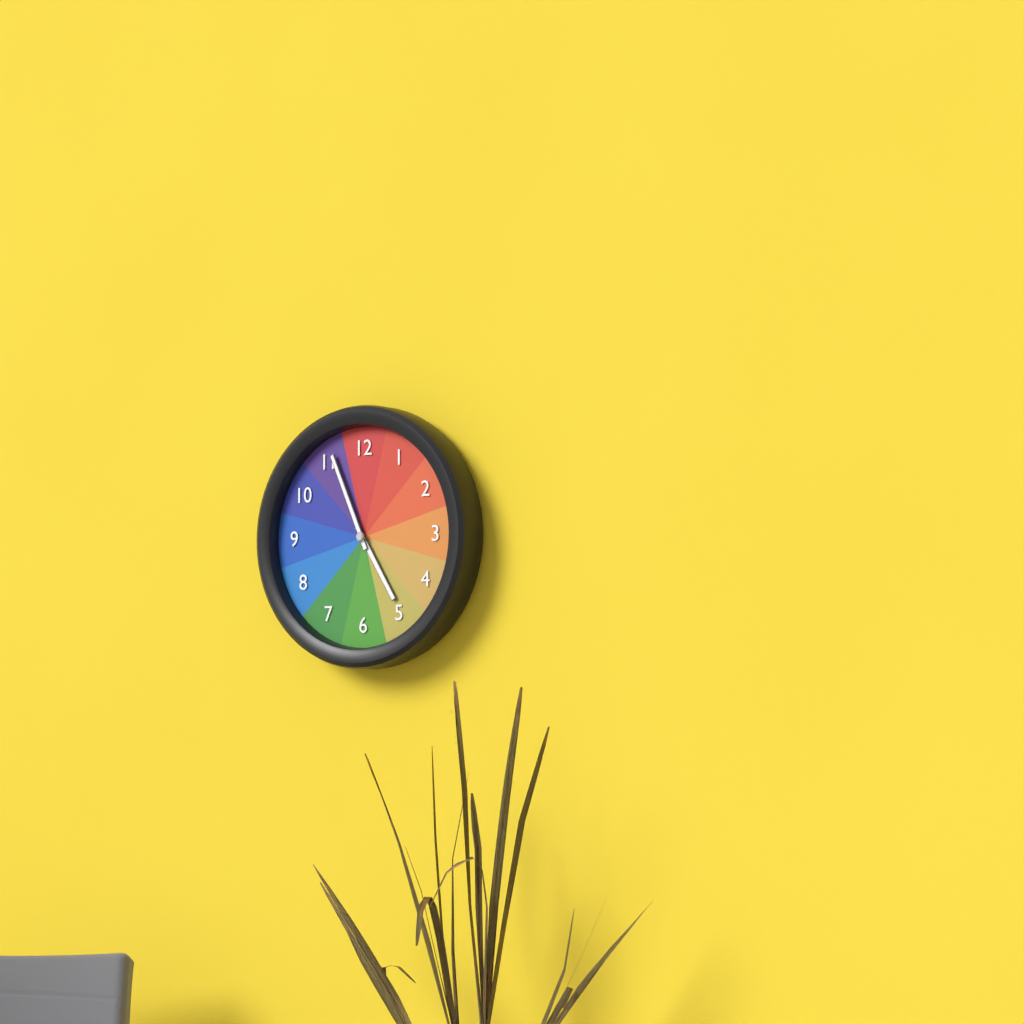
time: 4:56
